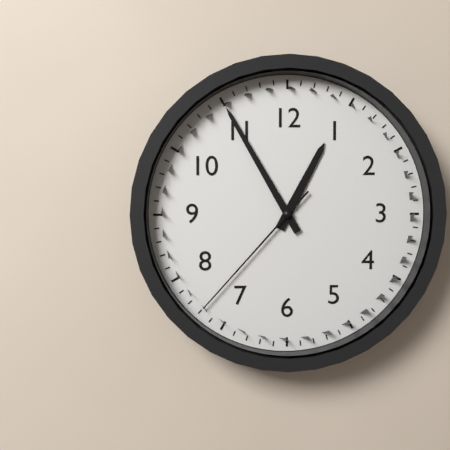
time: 12:55:37
